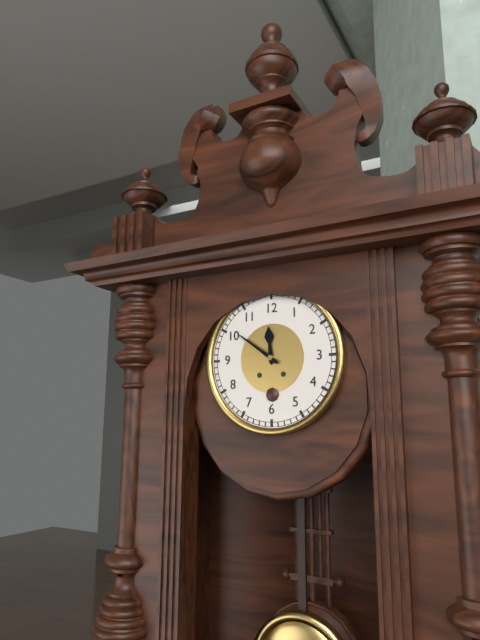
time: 11:51
